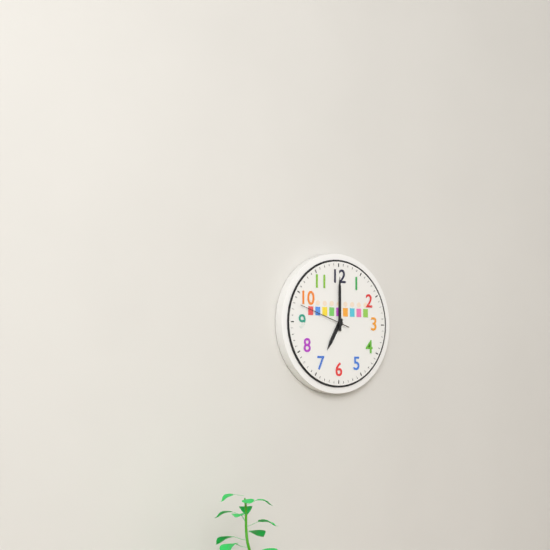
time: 7:00:48
